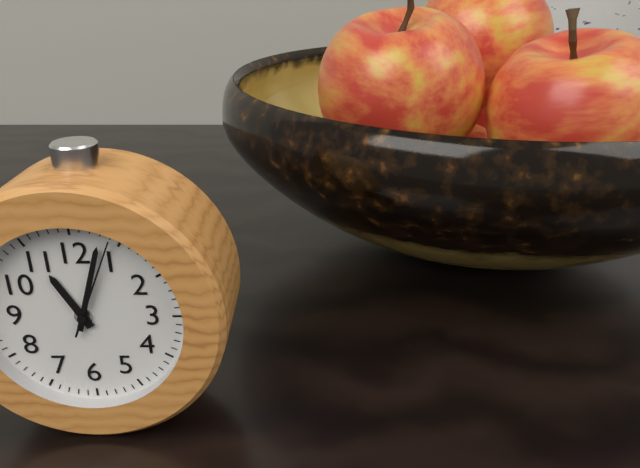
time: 11:03:04
